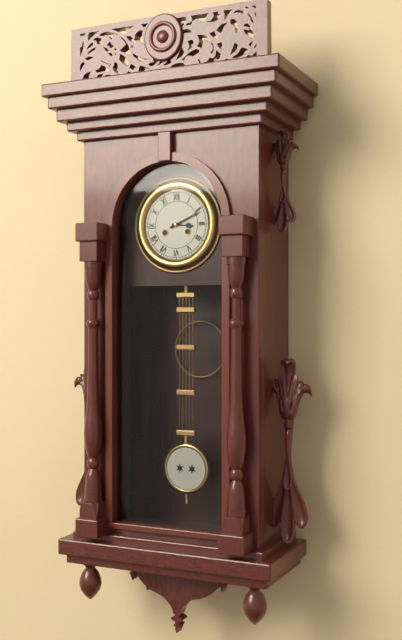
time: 3:11
